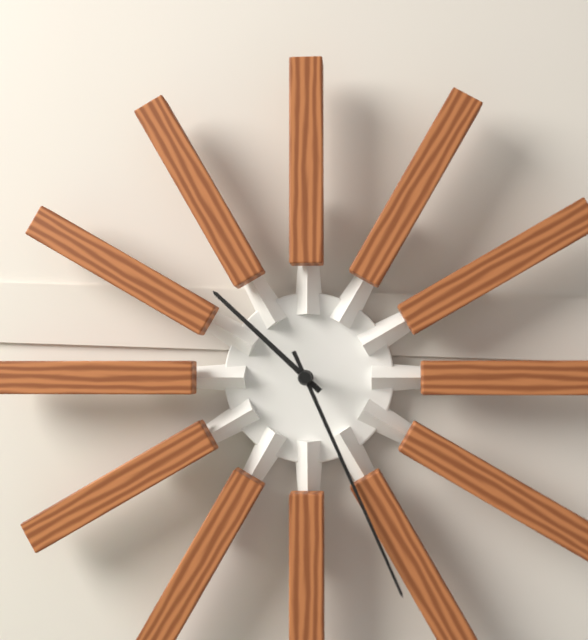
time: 10:26
